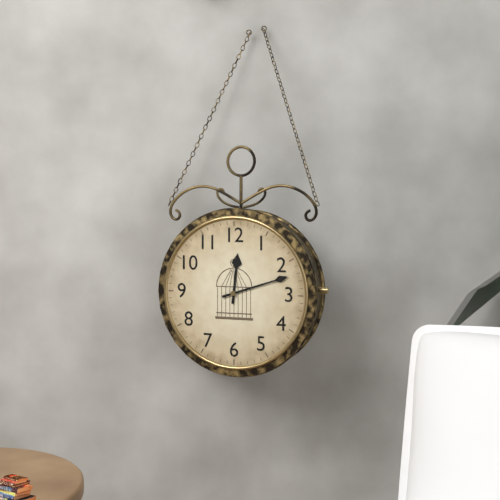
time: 12:12
